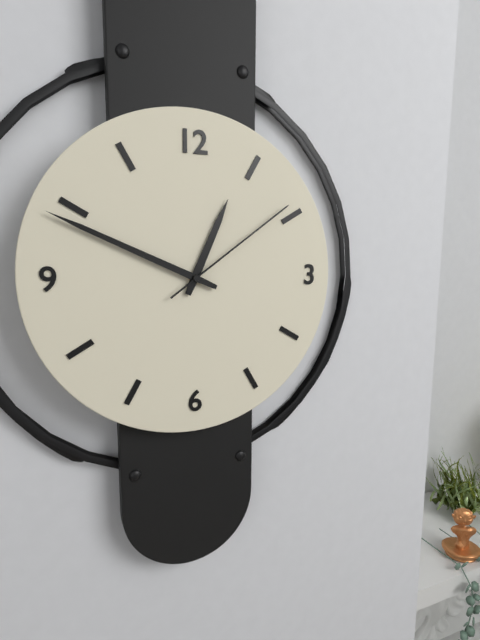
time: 12:49:09
